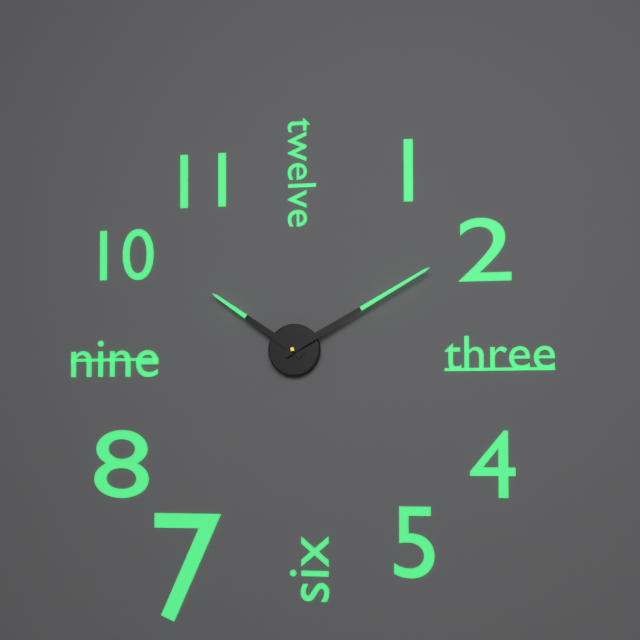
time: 10:10
